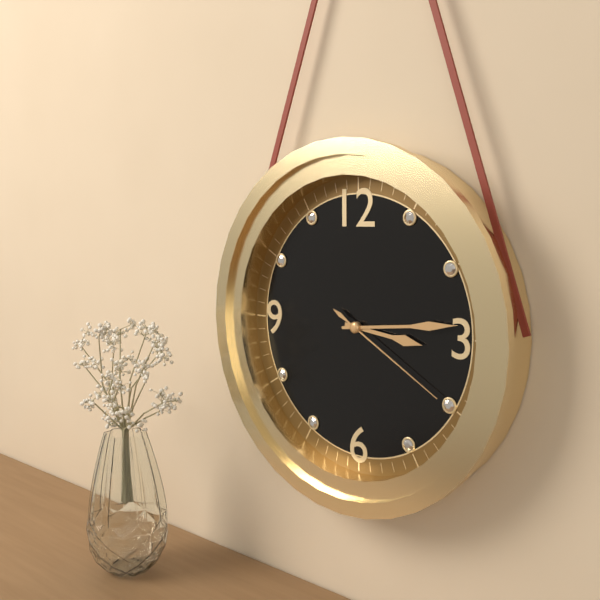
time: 3:14:20
